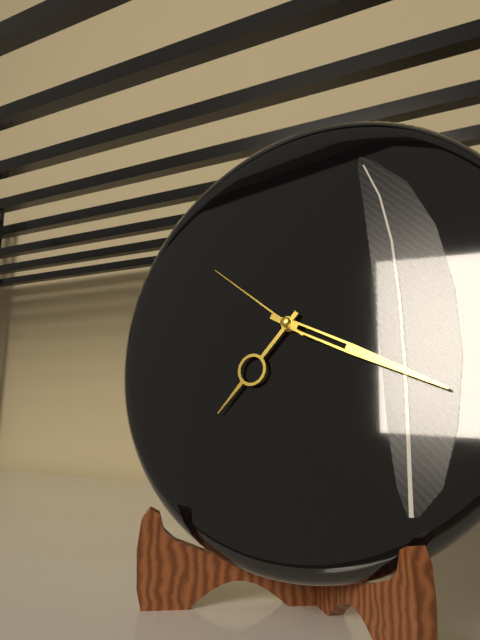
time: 7:19:51
